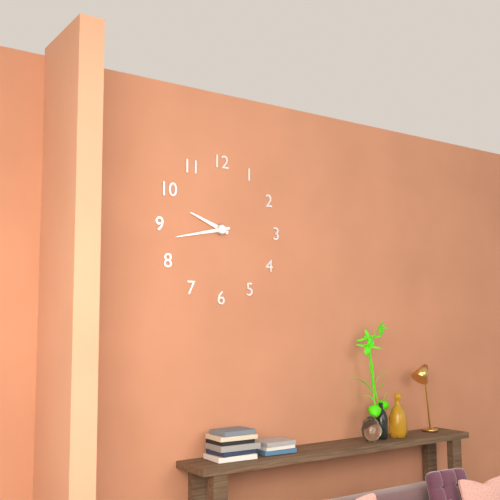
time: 9:43
